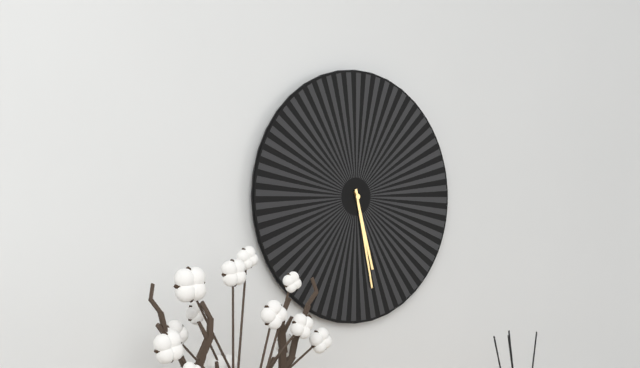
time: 5:28
